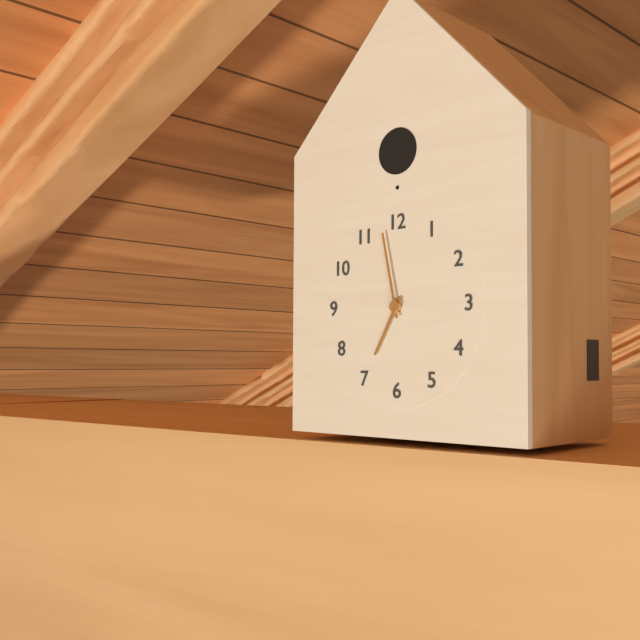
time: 6:58
